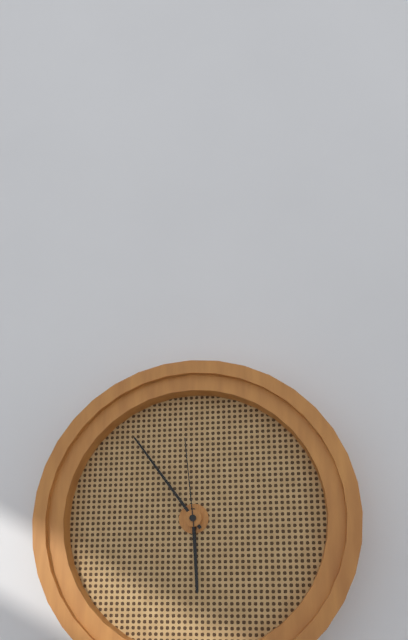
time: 5:54:59
